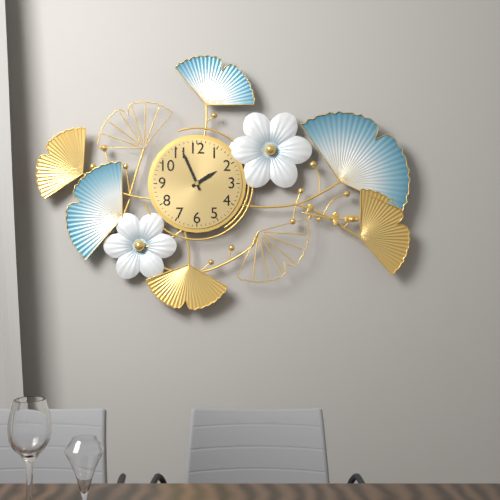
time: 1:56
